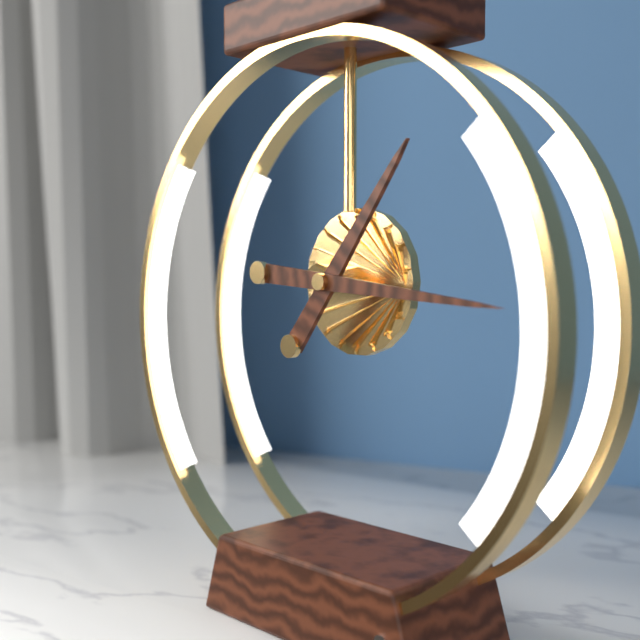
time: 1:16
